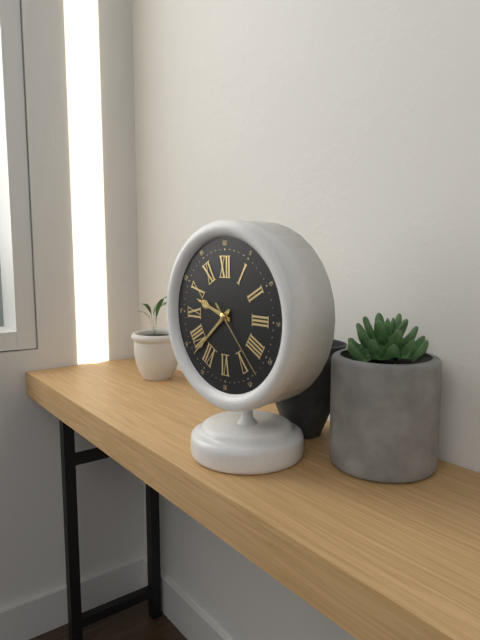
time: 9:38:23
